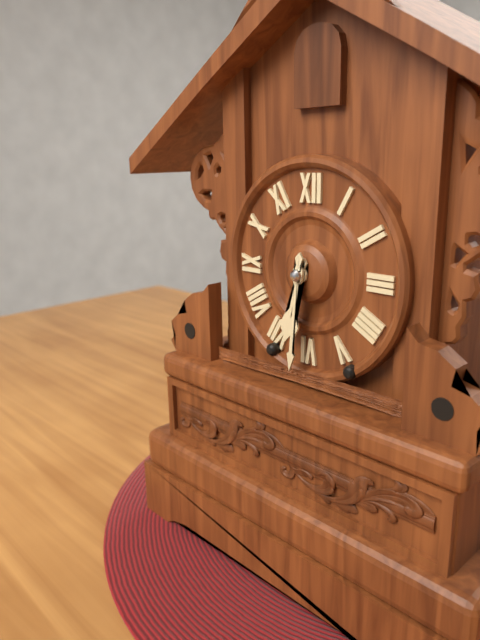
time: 6:31
